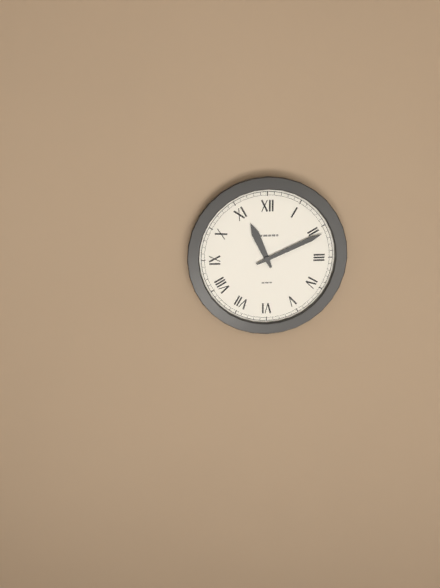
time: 11:11
